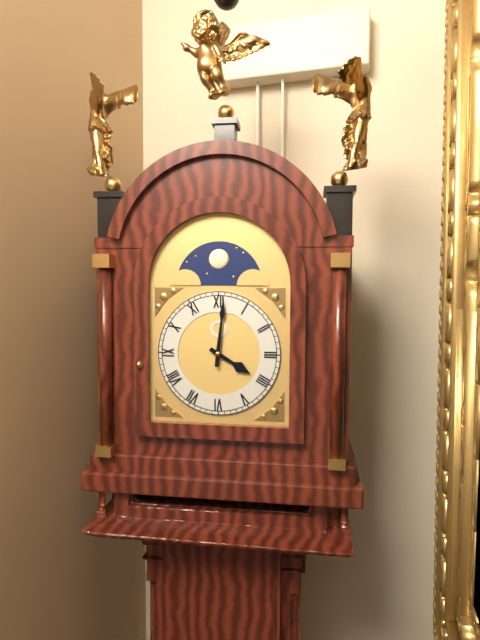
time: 4:01
